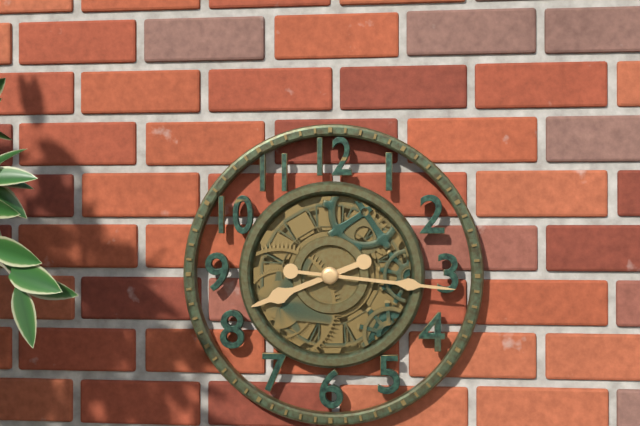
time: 8:16
